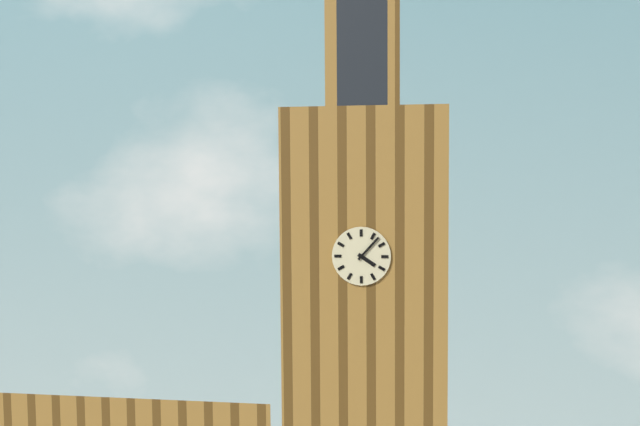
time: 4:07
